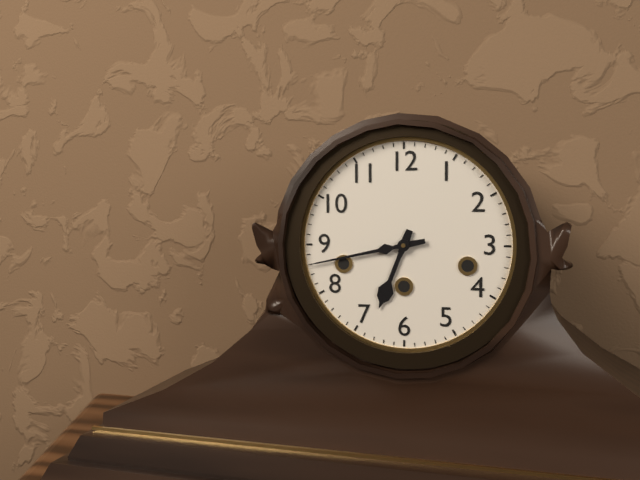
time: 6:43
